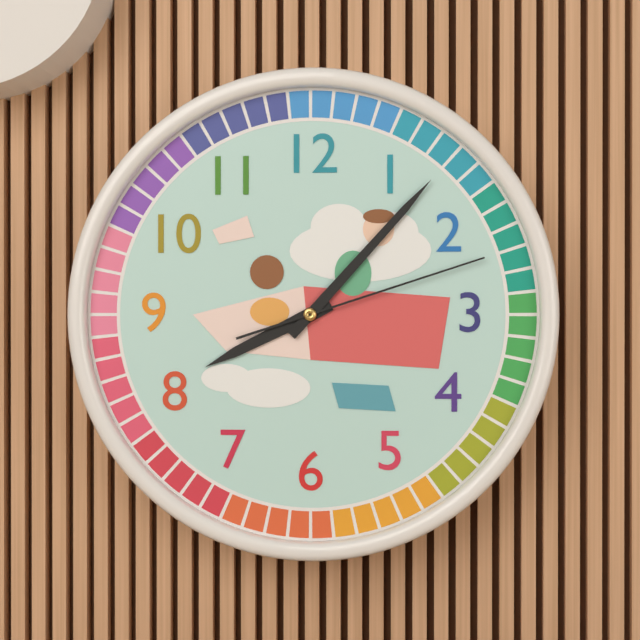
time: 8:07:12
